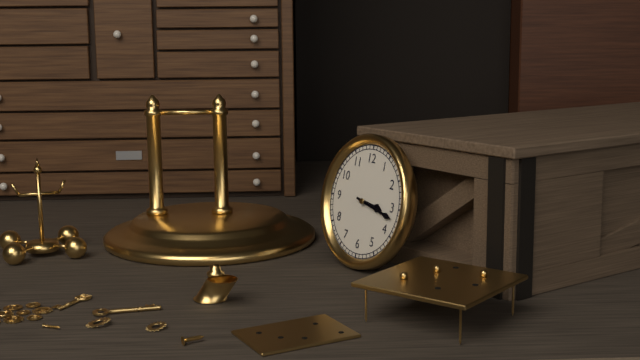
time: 3:17
